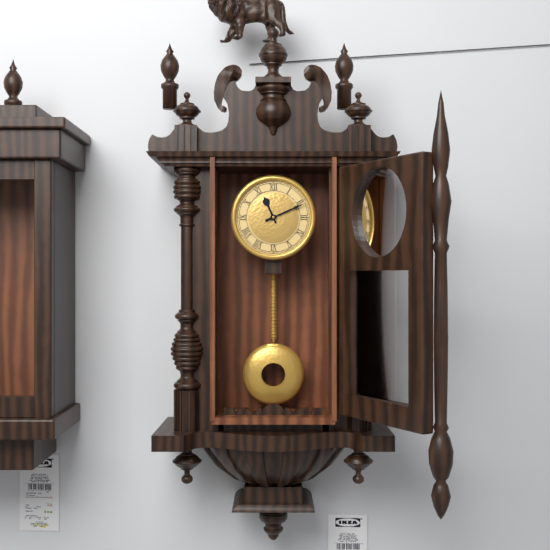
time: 11:11
